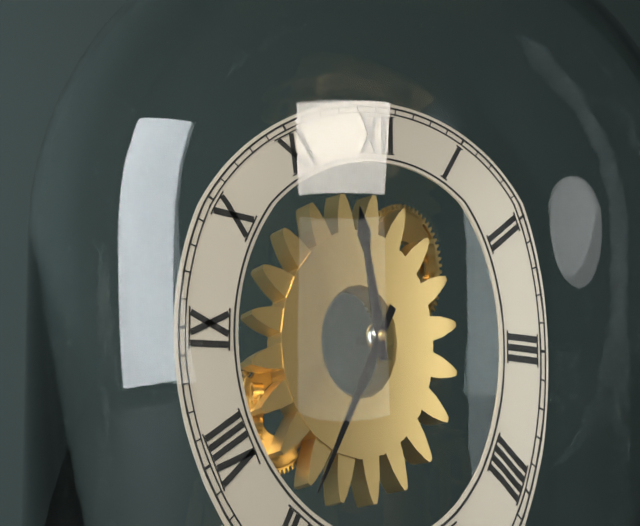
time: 11:35
